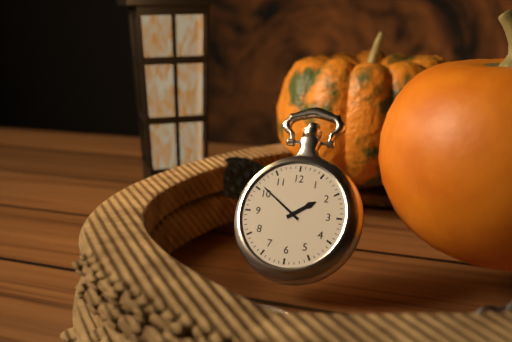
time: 1:51
